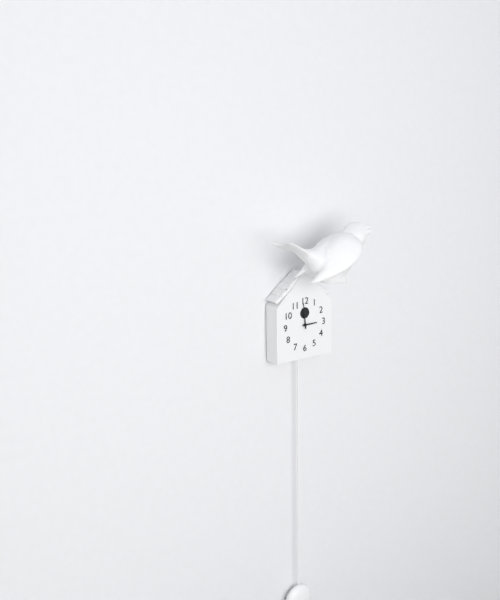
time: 2:59
